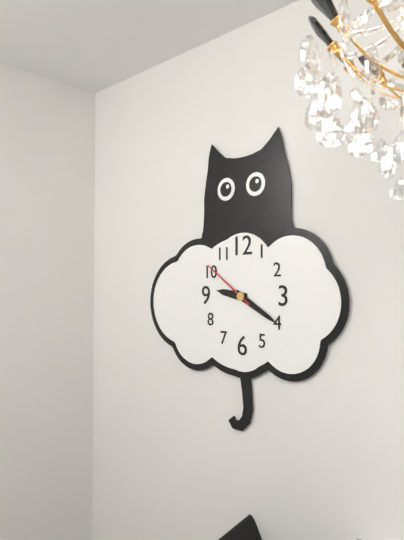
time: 9:20:51
